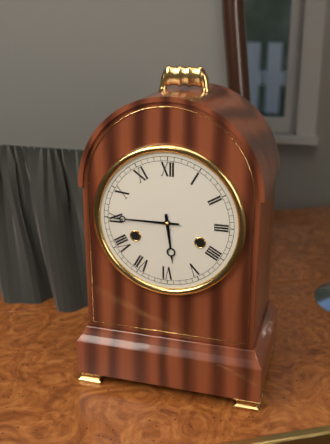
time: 5:45
